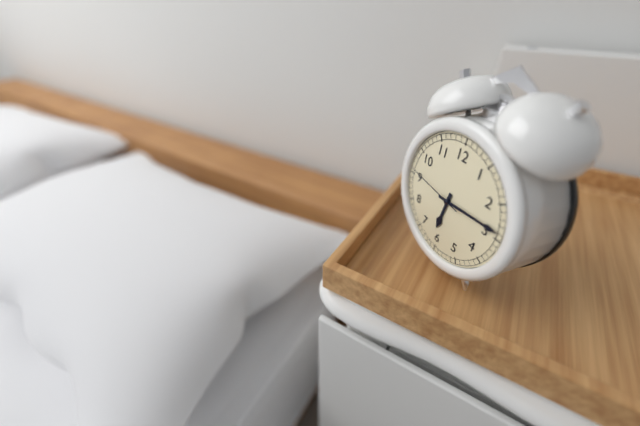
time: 6:14:46
